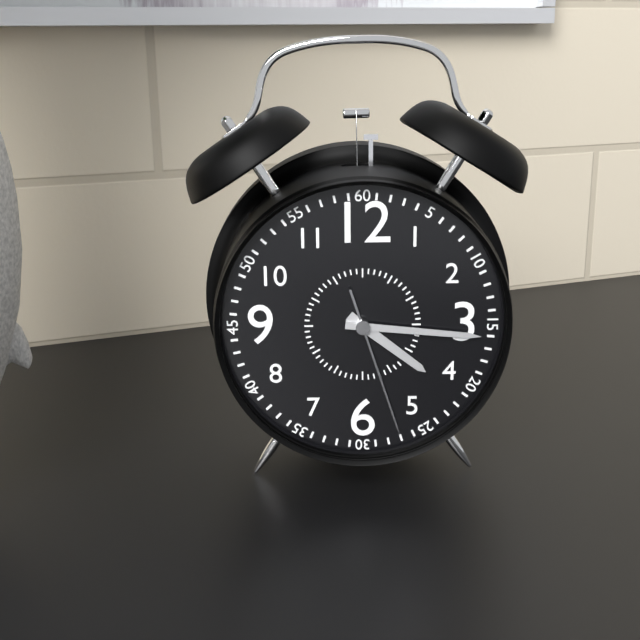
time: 4:16:27
